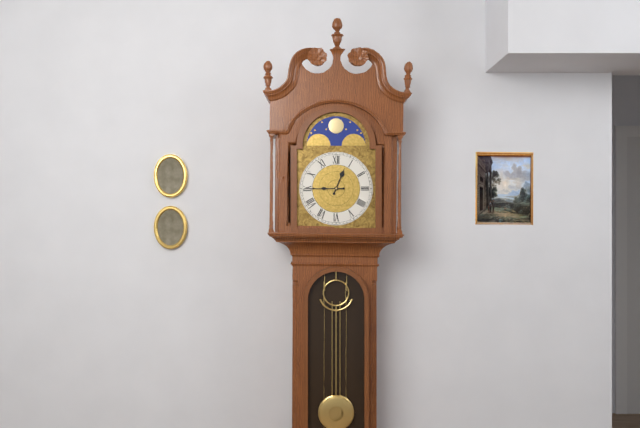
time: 12:45
